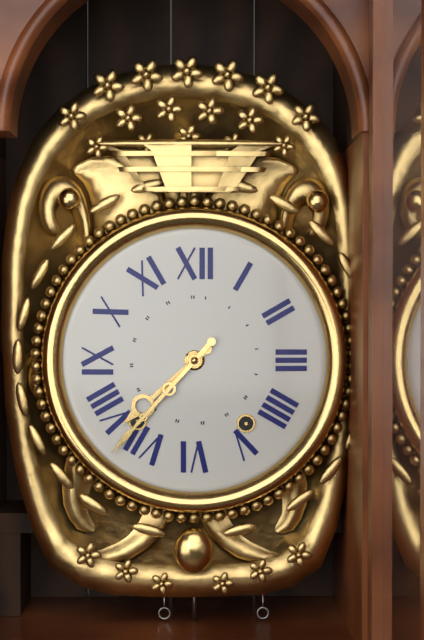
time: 7:37
